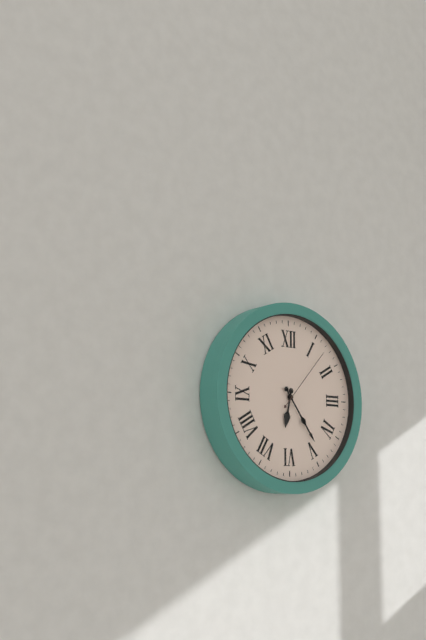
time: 6:24:07
